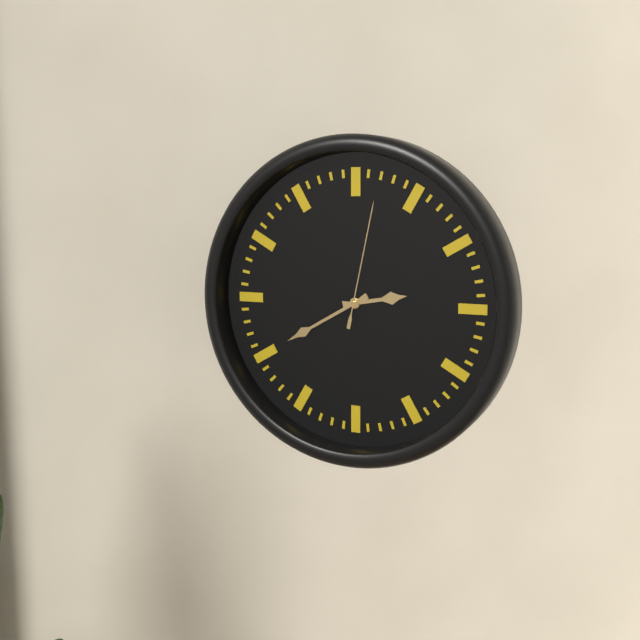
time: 2:40:02
